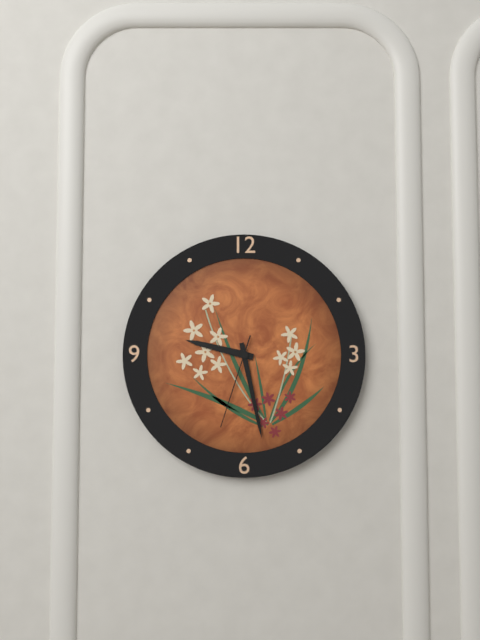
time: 9:28:33
